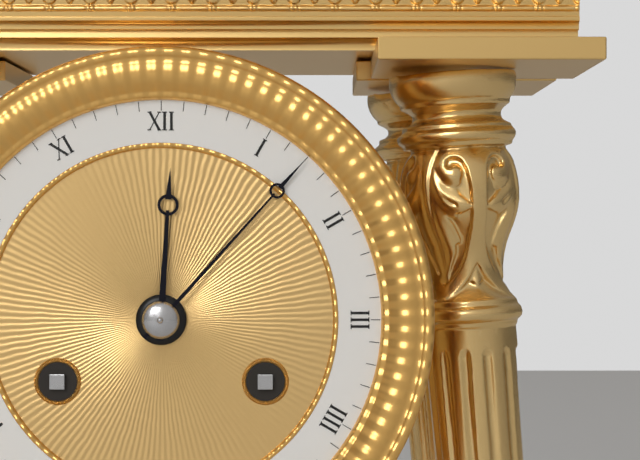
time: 12:07
